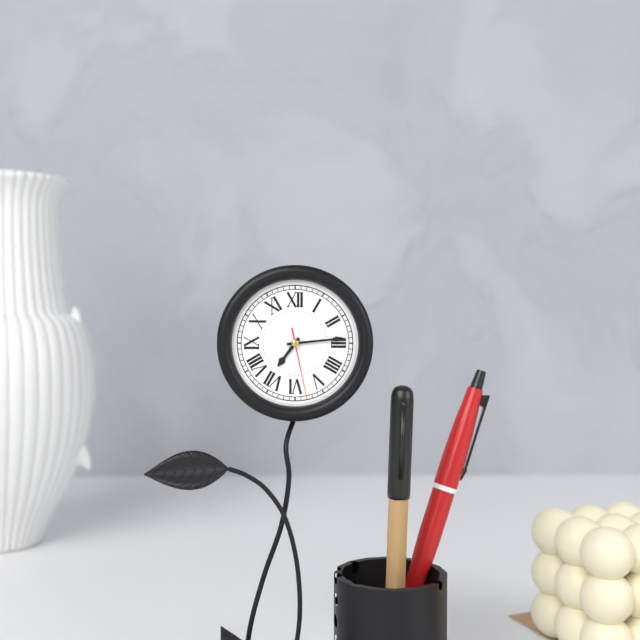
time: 7:14:28
